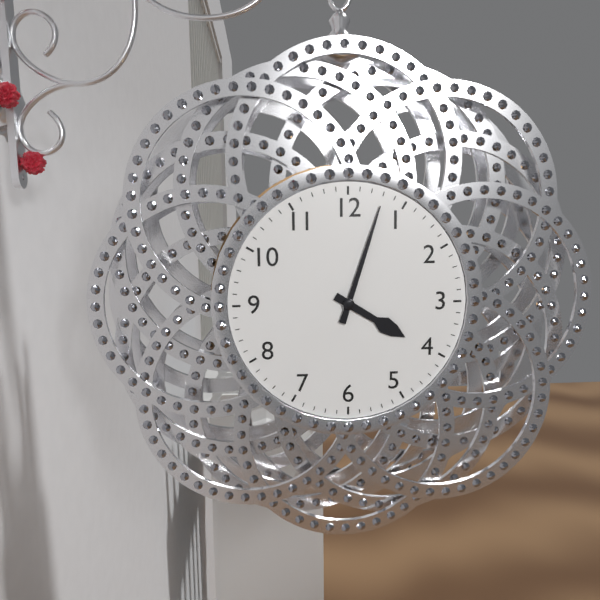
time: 4:03
